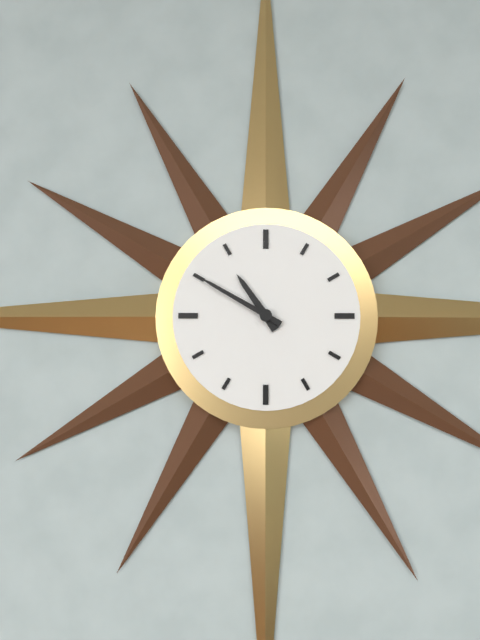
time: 10:50
